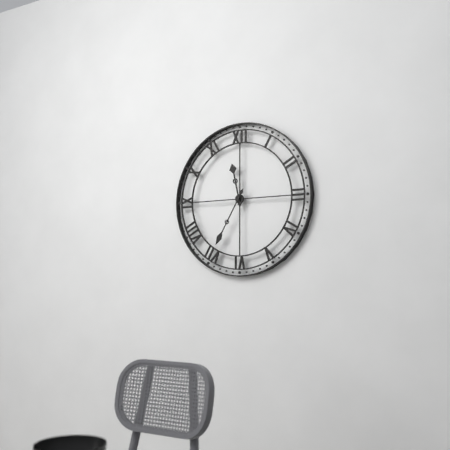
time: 11:35
